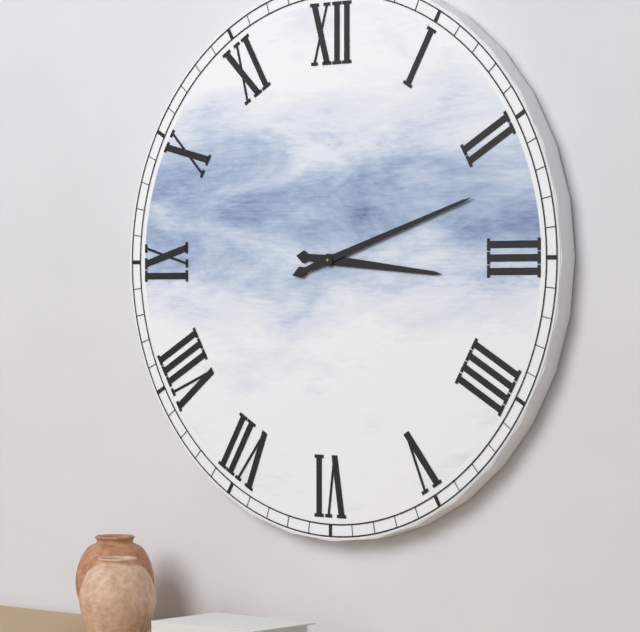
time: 3:12
